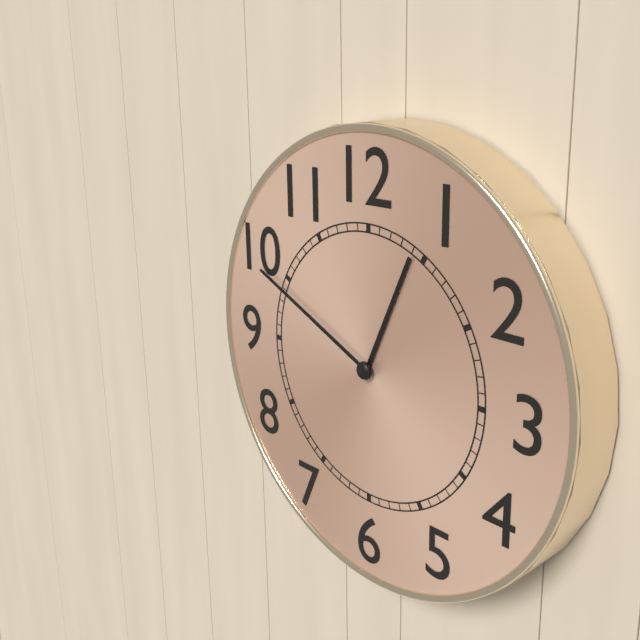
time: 12:49
